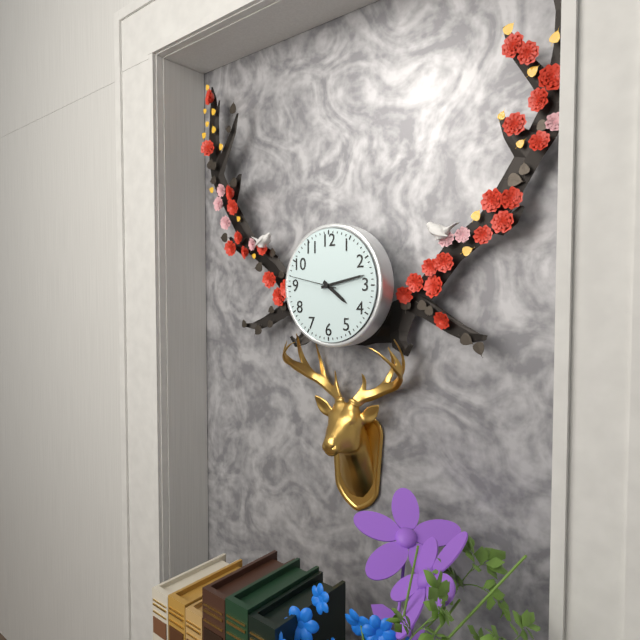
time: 4:13
